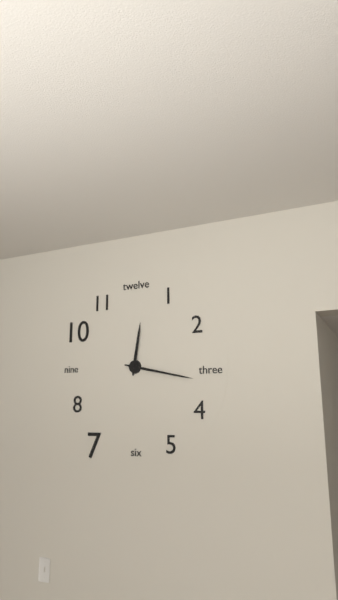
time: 12:17
